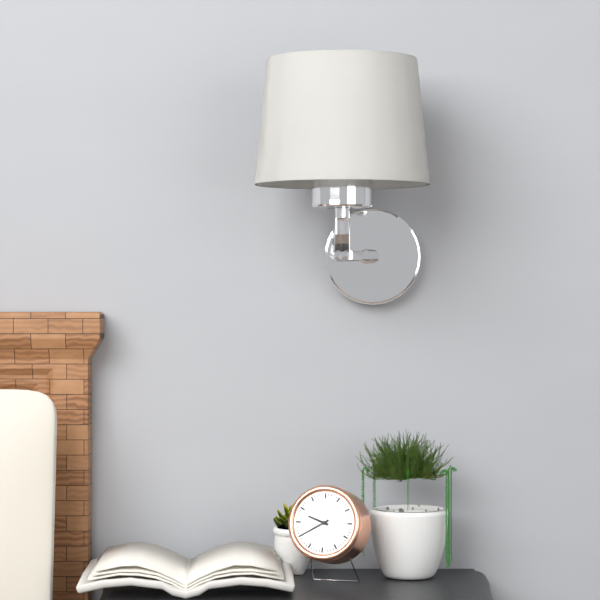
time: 9:40
